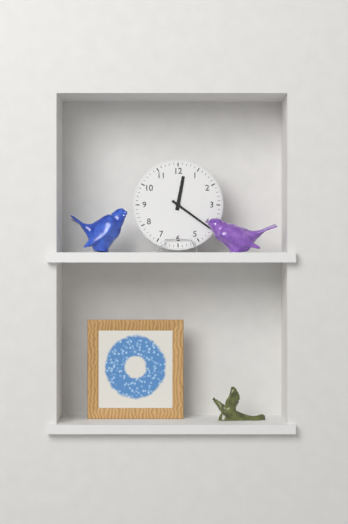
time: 12:21
